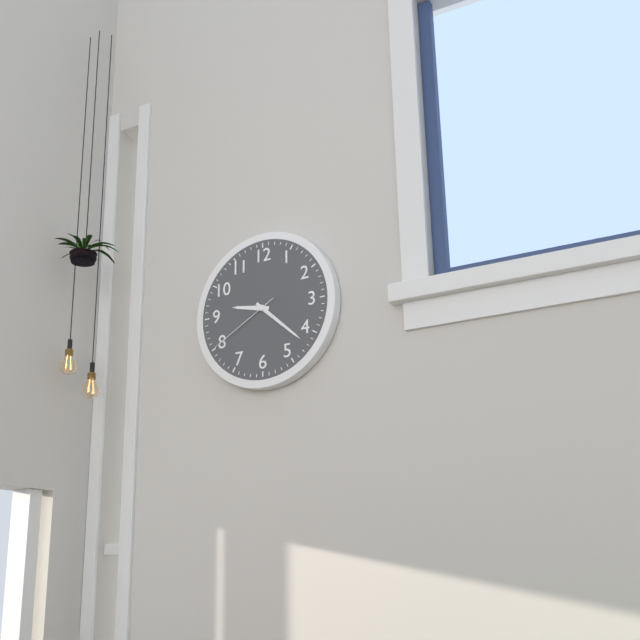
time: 9:22:40
